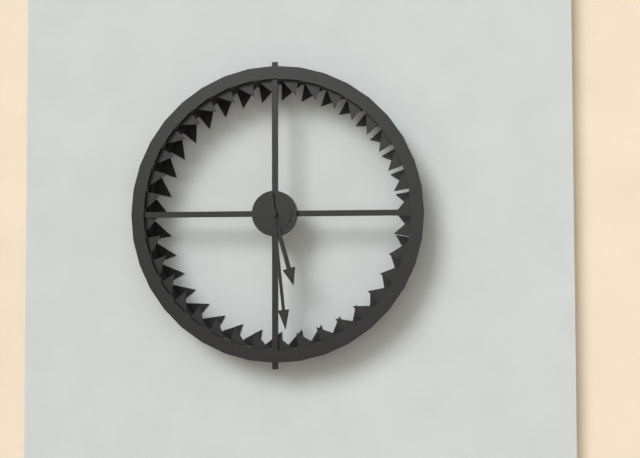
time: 5:29
